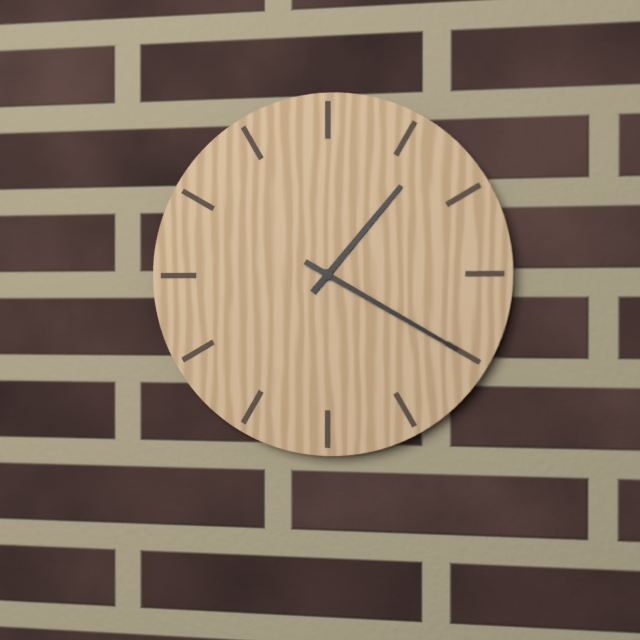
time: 1:20
